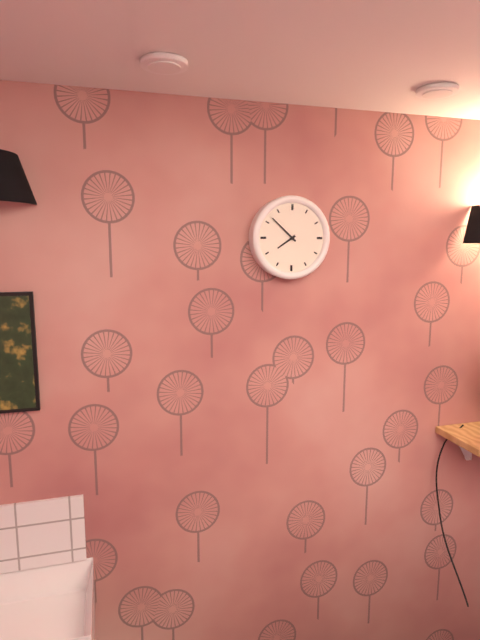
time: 7:52
